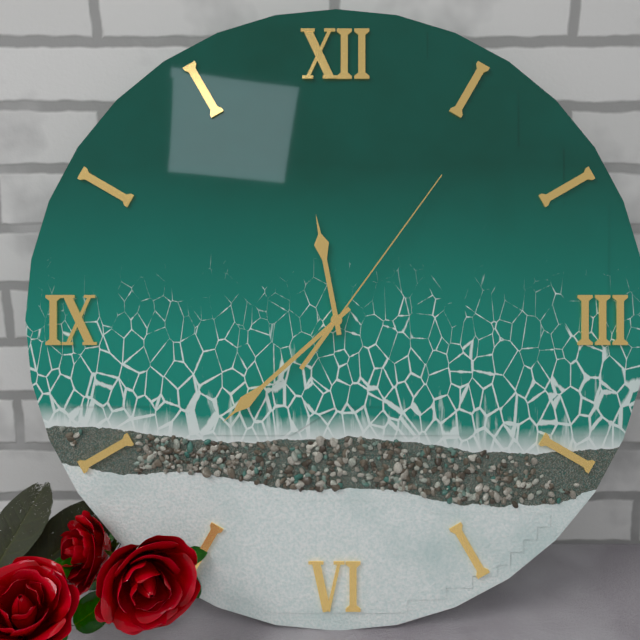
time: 11:38:06
